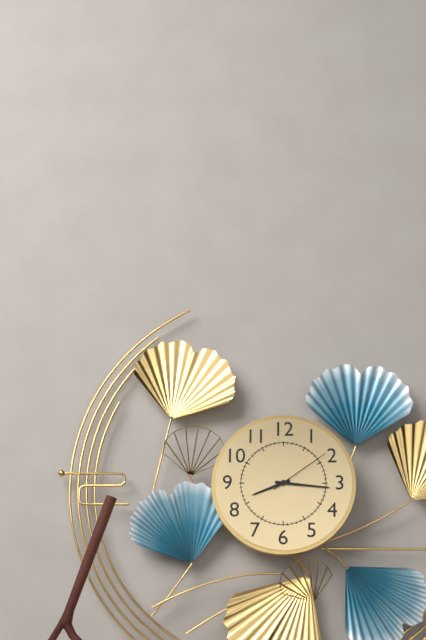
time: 8:16:09
